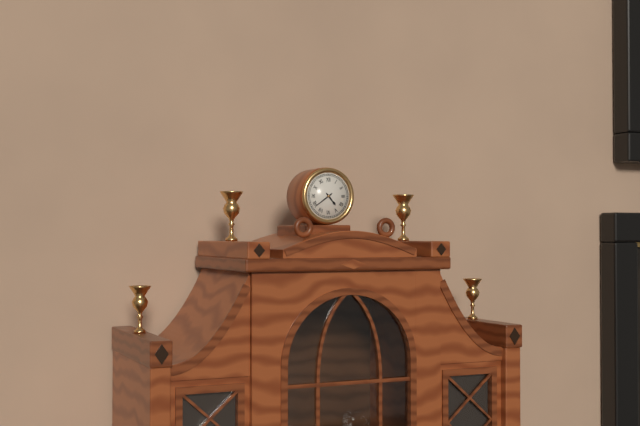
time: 4:39
